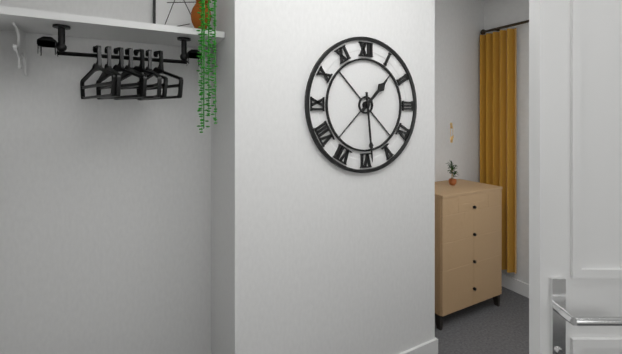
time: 1:29
